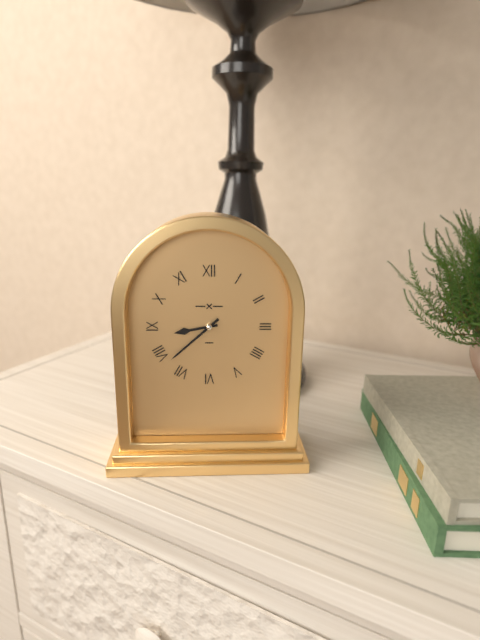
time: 8:38
